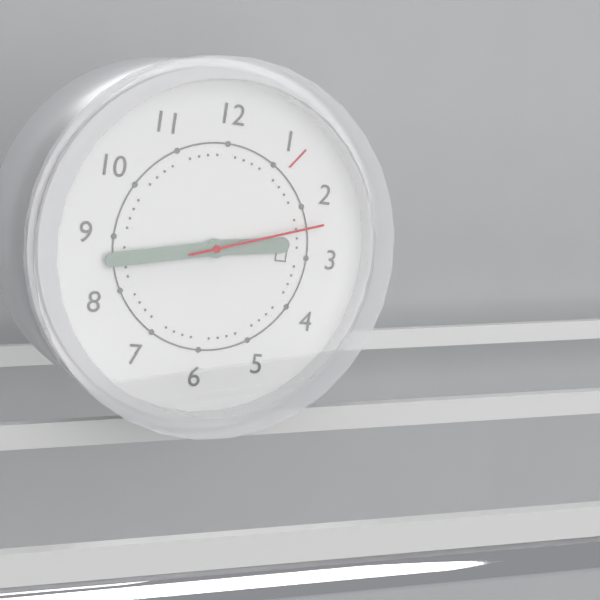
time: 2:43:12
